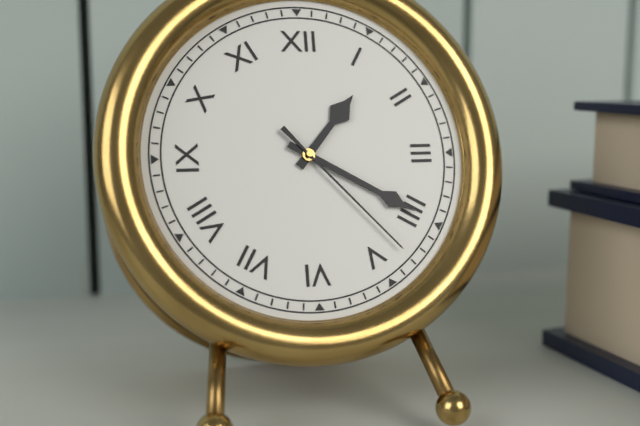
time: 1:20:23
